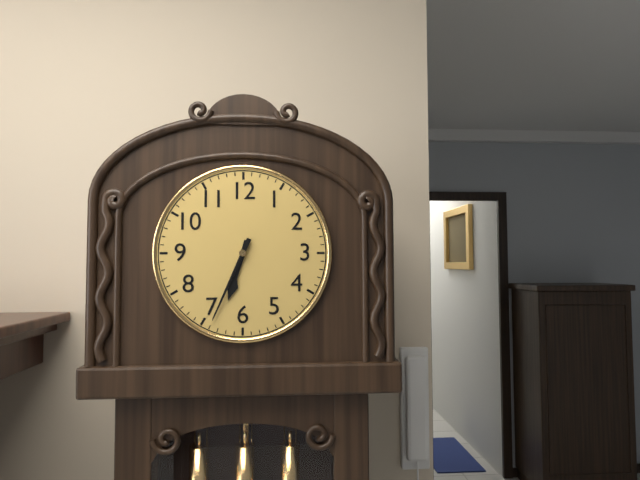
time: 6:34
